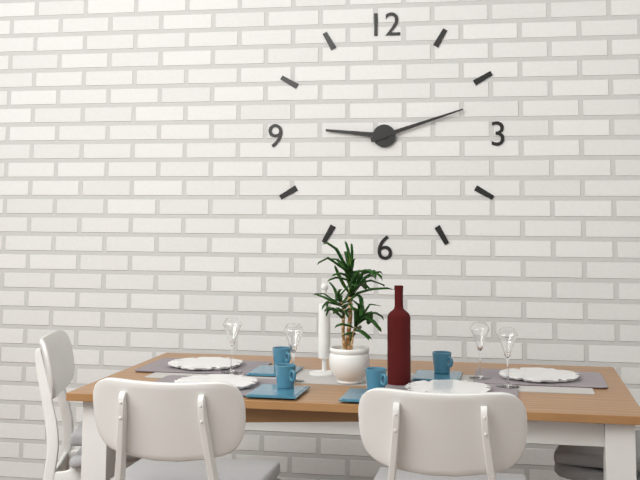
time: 9:12
